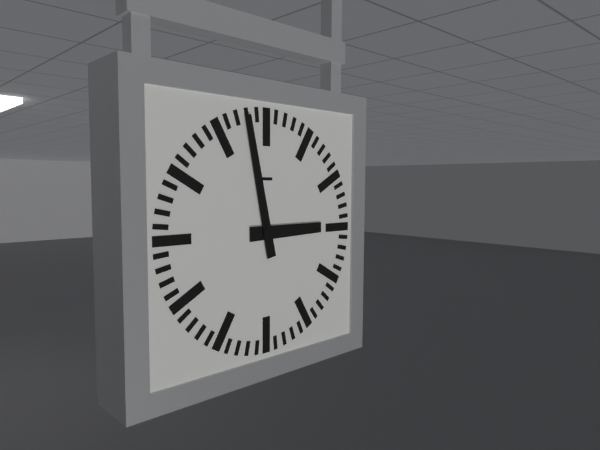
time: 2:58
